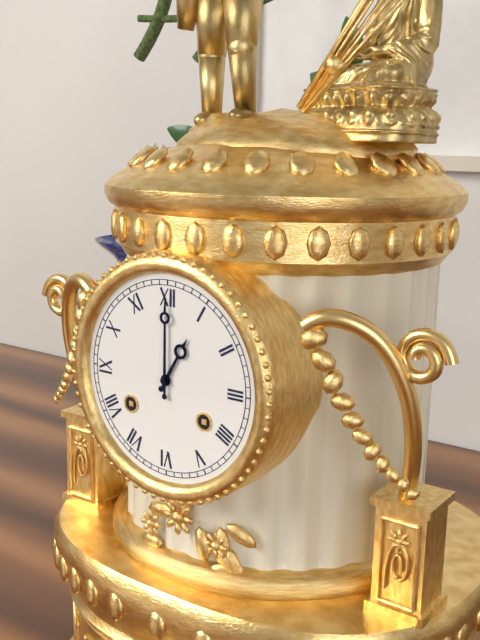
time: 1:00
